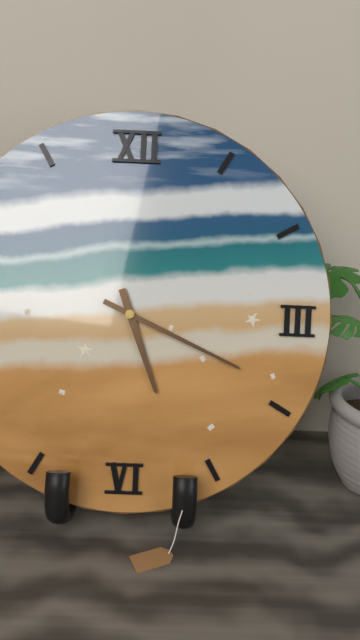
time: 5:19
